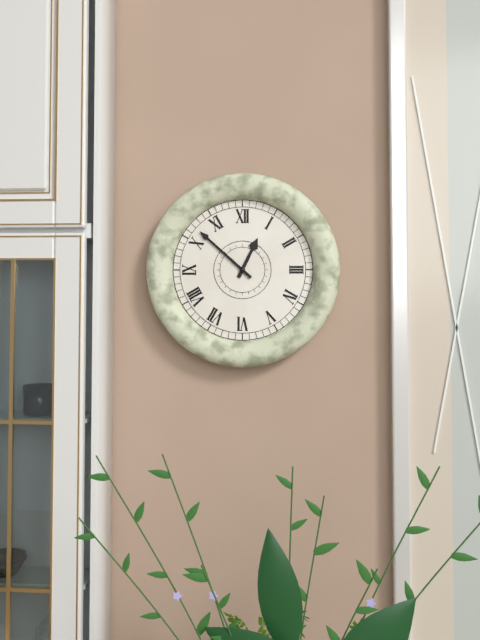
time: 12:52
